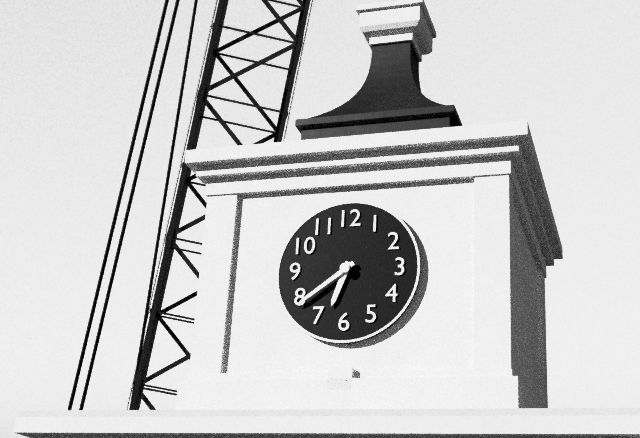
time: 6:39
